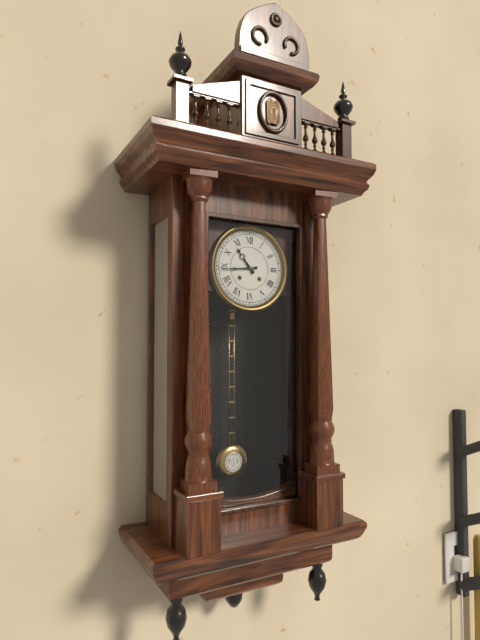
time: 10:44
